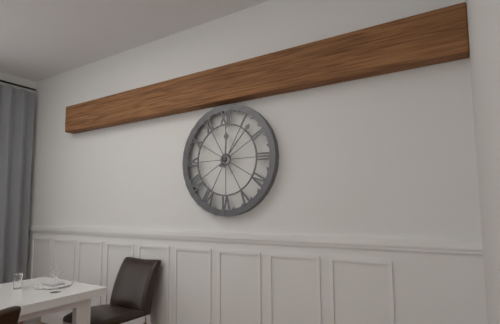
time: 12:07
